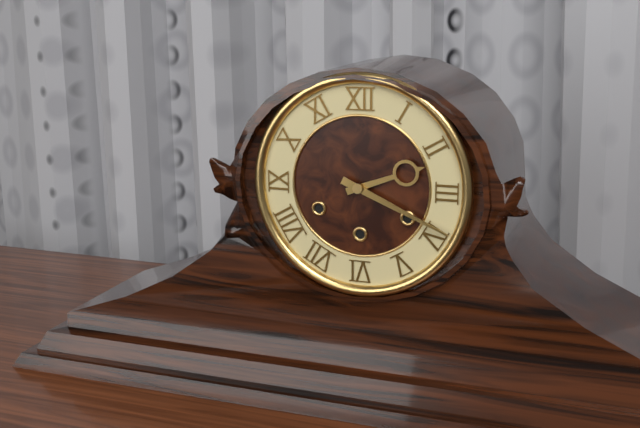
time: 2:19
